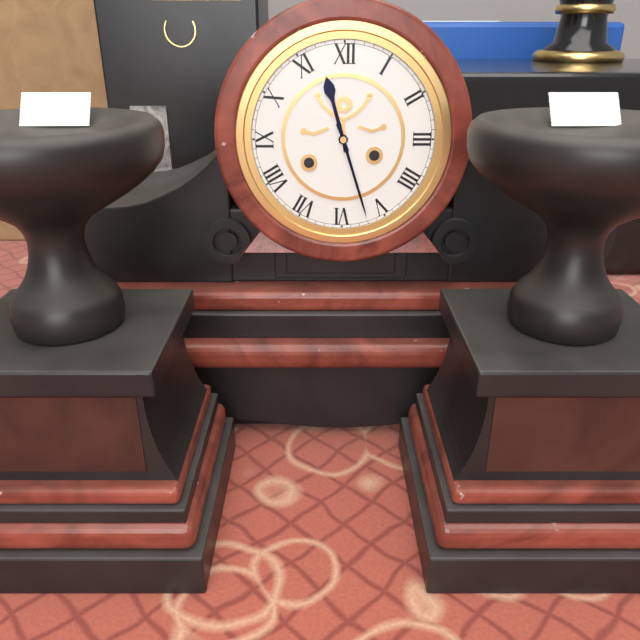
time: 11:27
